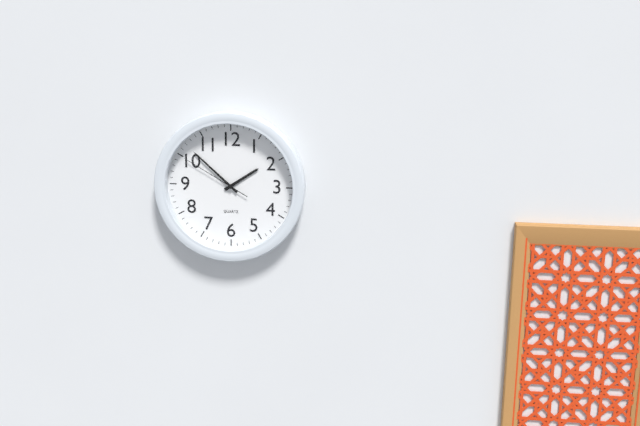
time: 1:52:50
